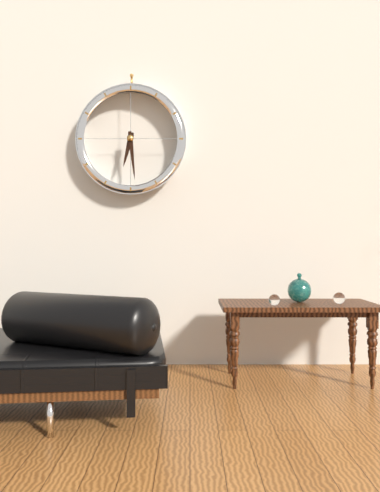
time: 6:29
